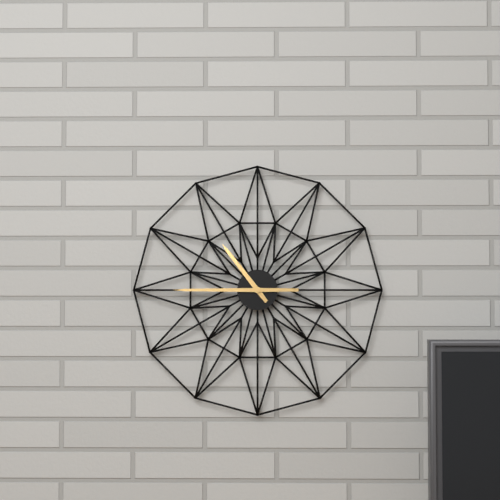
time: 10:45
